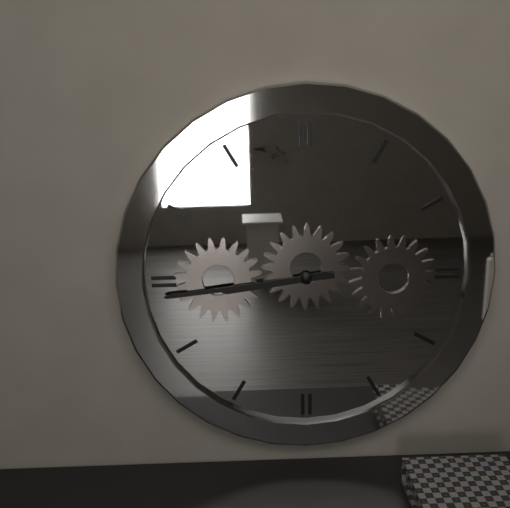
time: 8:44
